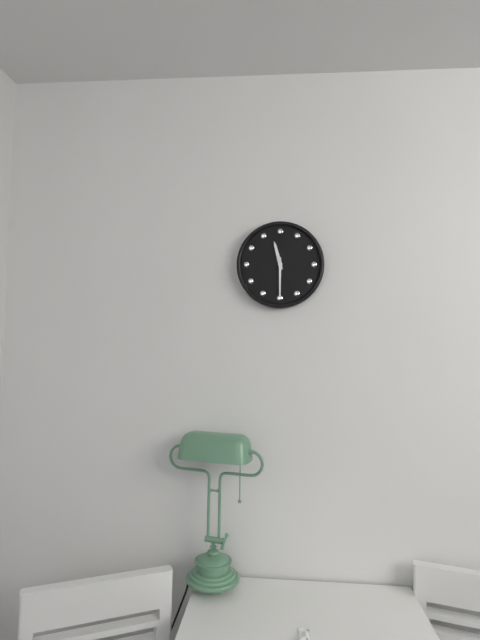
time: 11:30
